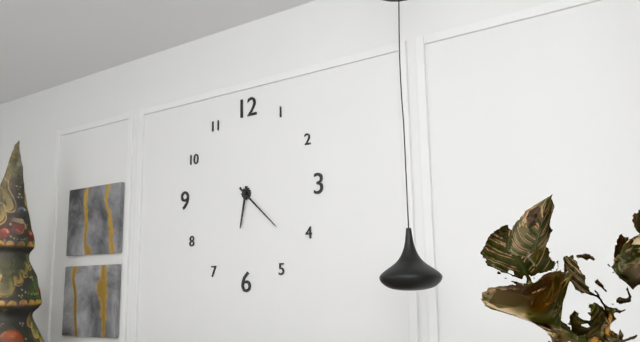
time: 6:22
